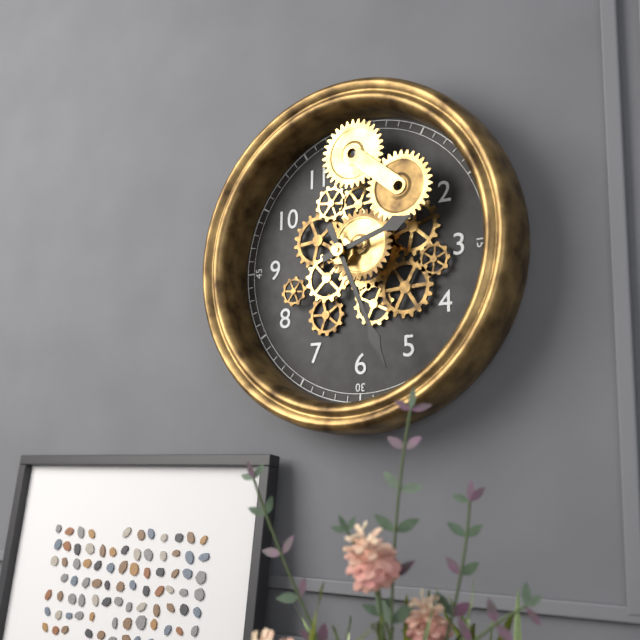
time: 2:26
